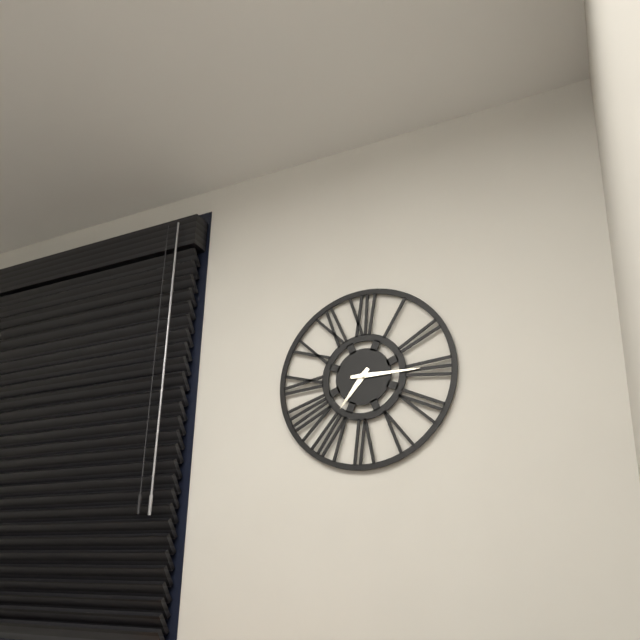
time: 7:15
